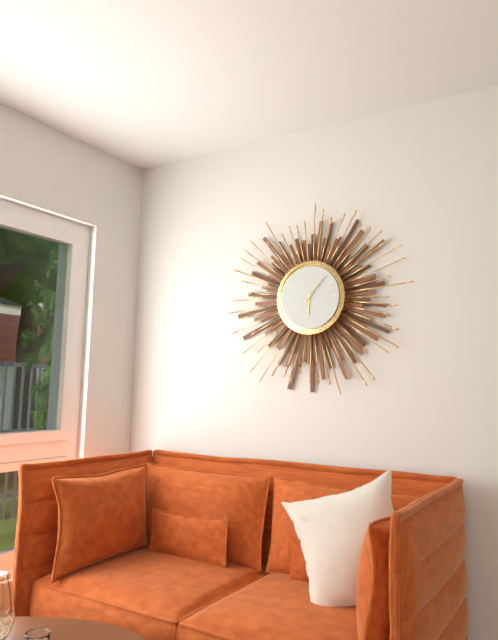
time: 6:07
